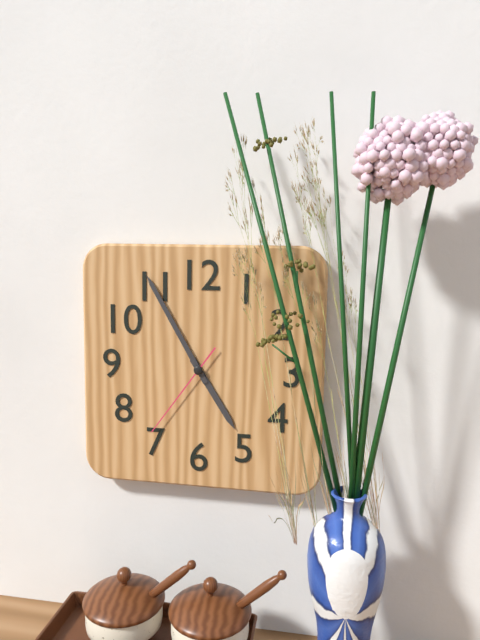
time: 4:55:36
